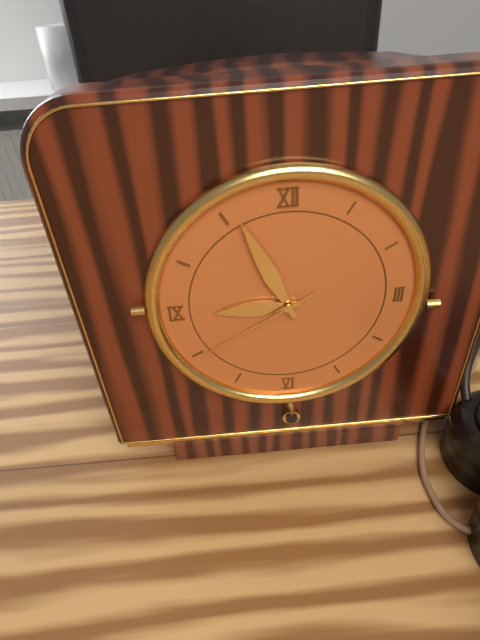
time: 8:56:40
